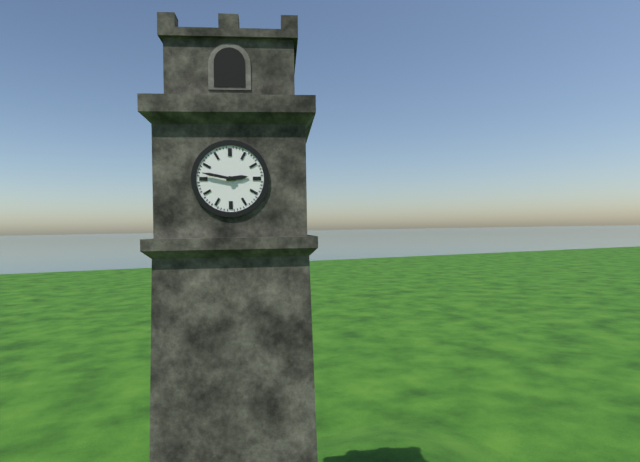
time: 2:47
